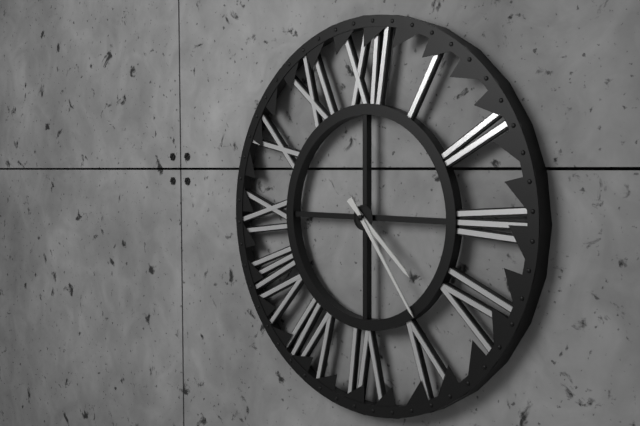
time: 4:24
